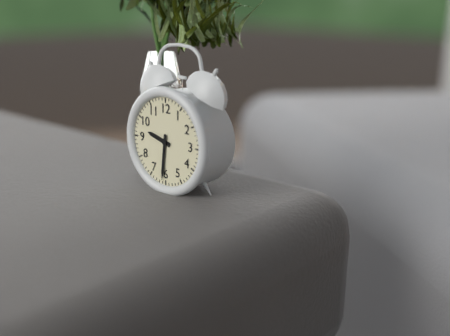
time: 9:31
